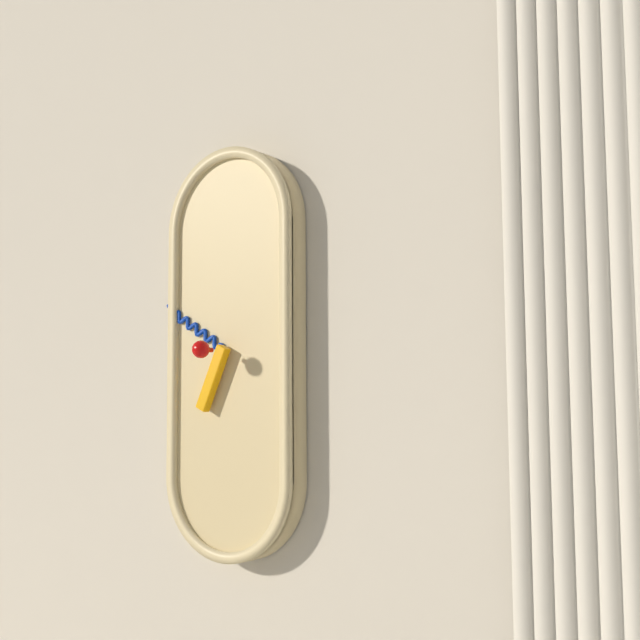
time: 6:50
